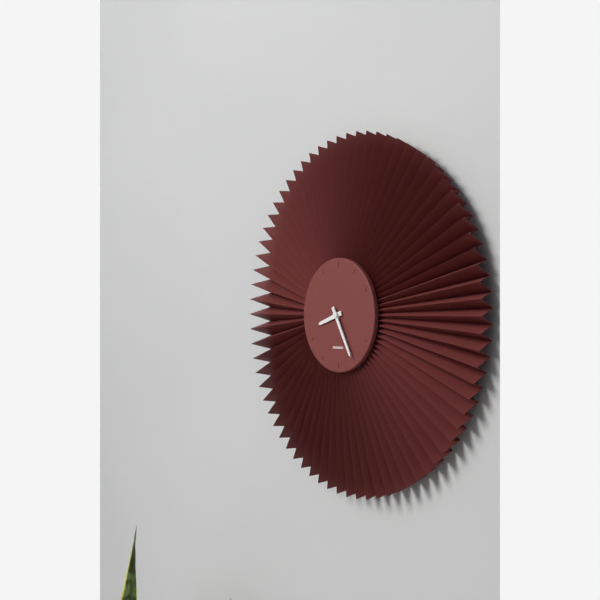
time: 8:25
